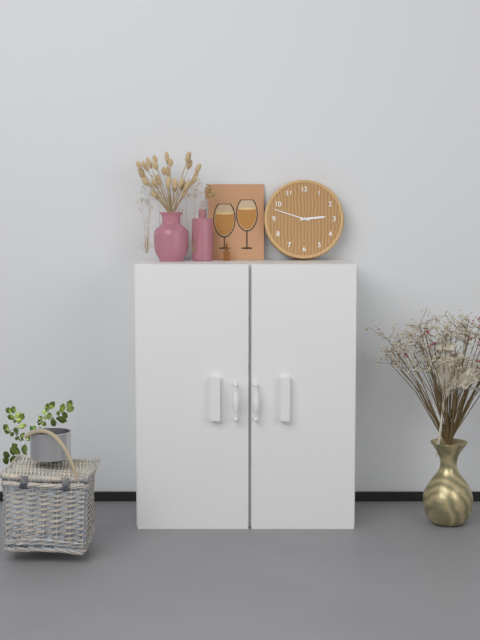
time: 2:48
